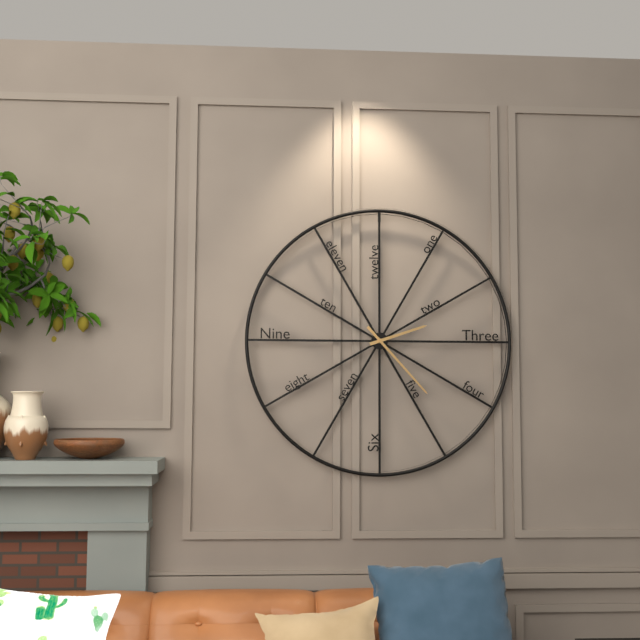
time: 2:23
